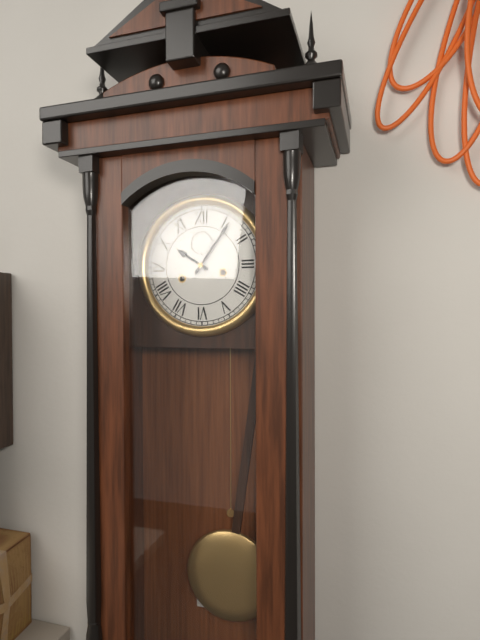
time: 10:06
